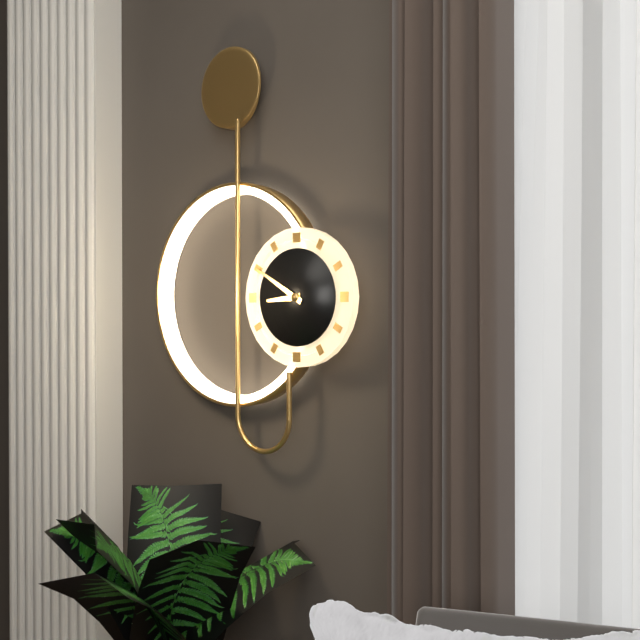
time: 8:50
